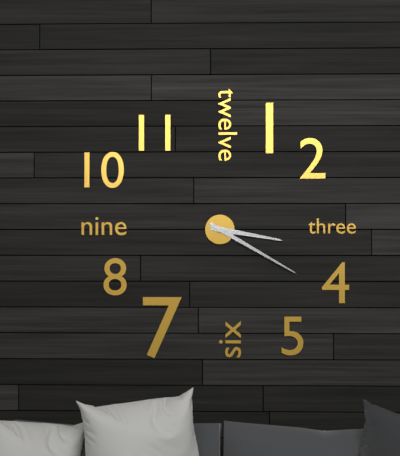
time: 3:20
